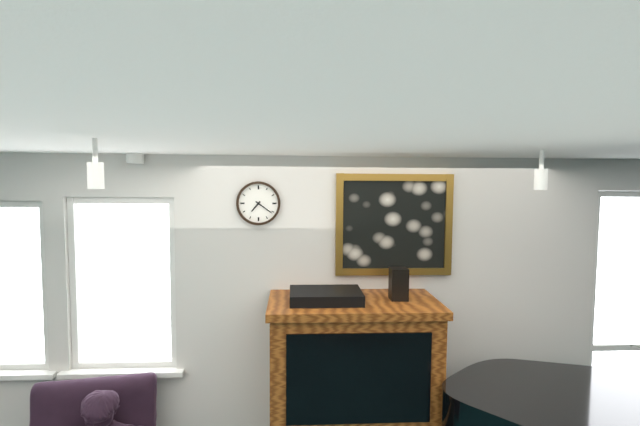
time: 7:21
